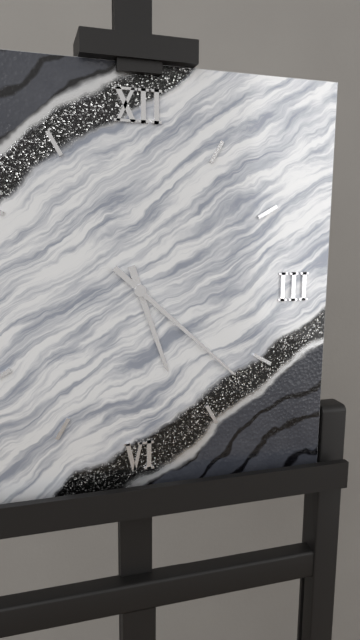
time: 5:22
